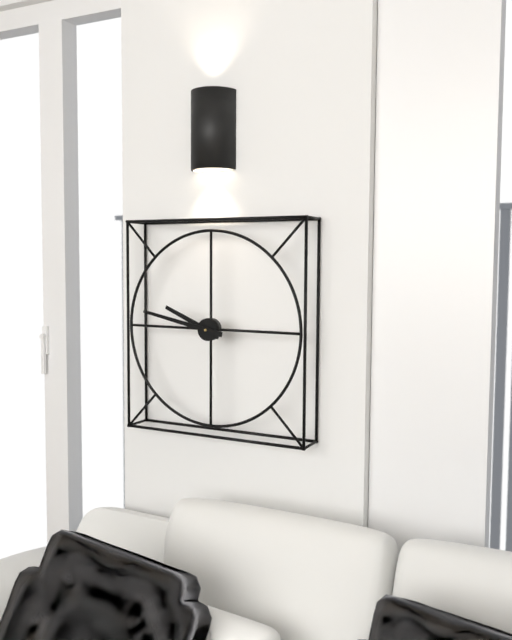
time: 9:47
